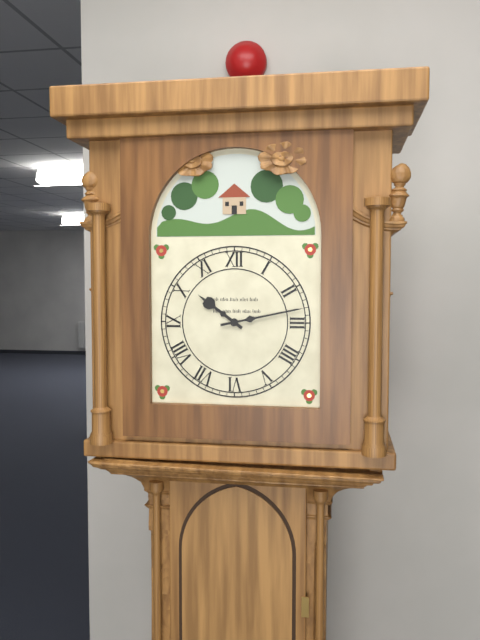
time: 10:13
